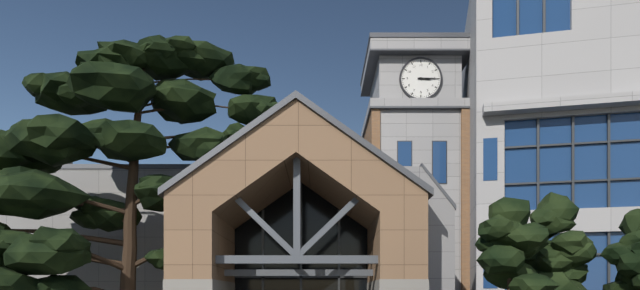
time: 3:15
